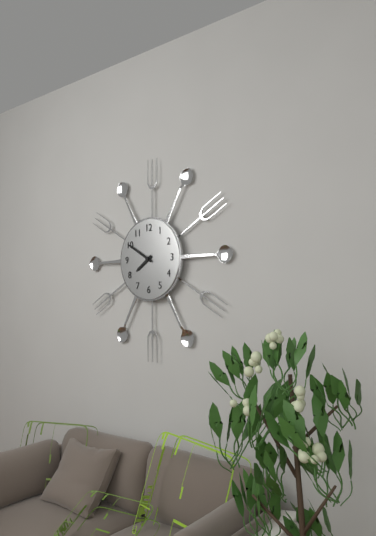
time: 7:50
